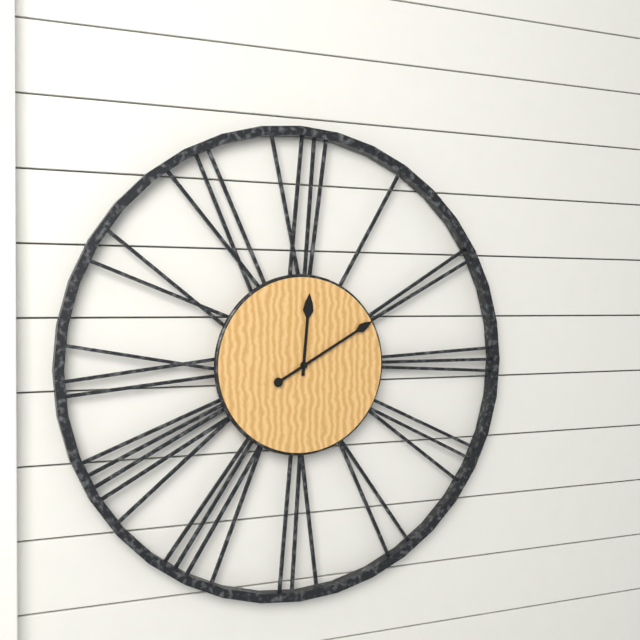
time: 12:10
